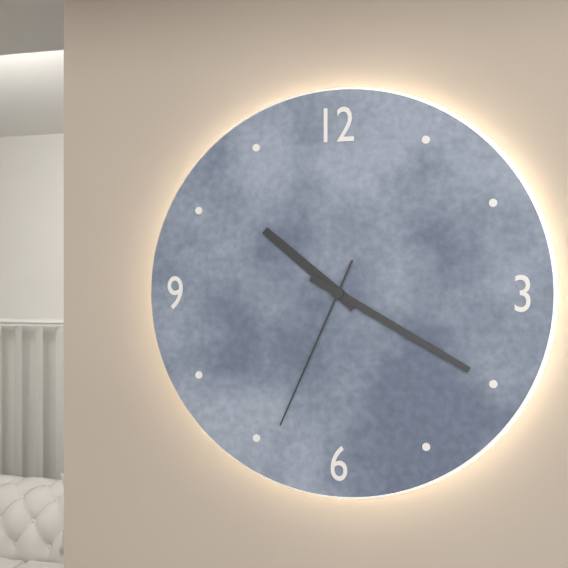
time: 10:20:34
